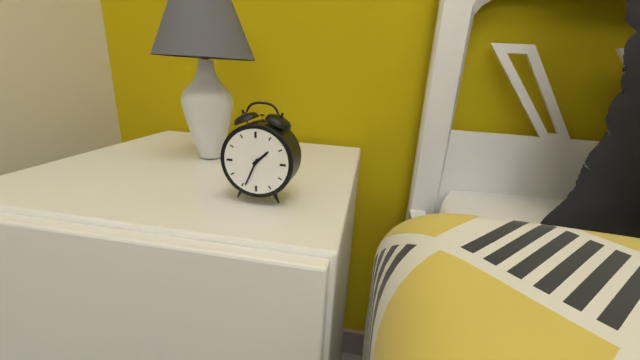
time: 1:34
